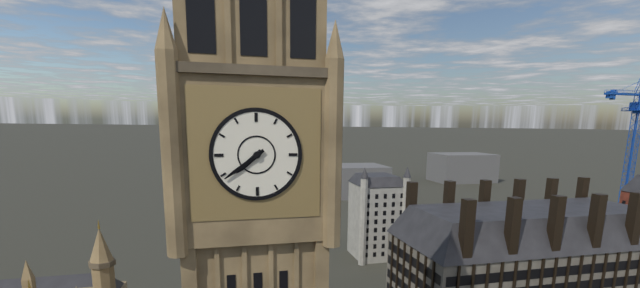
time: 7:39
